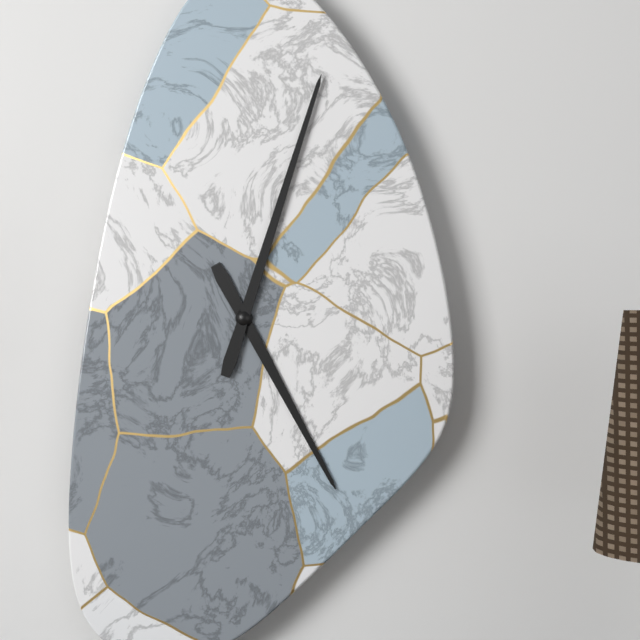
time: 5:03
